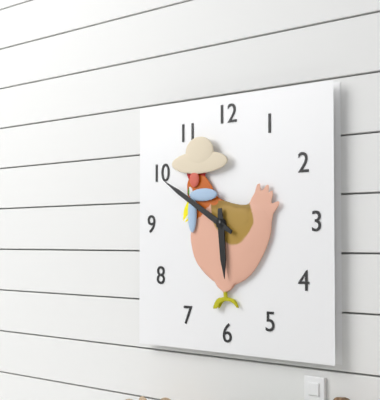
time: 5:50
